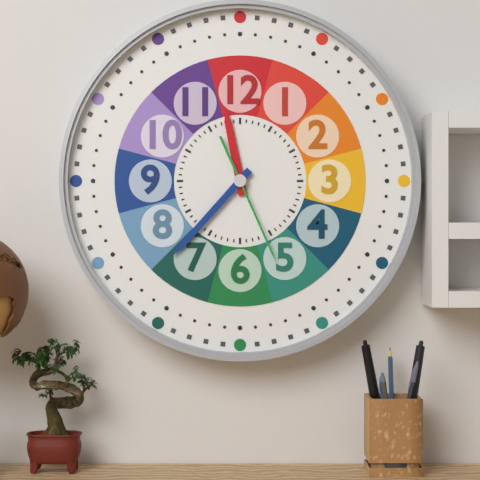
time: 11:37:26
